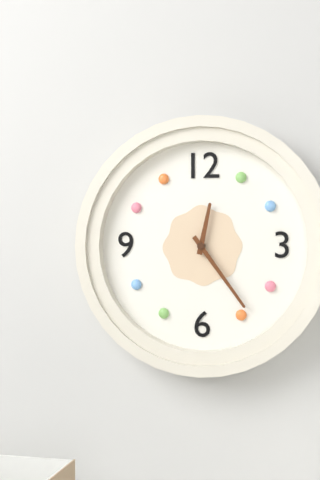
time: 12:24
